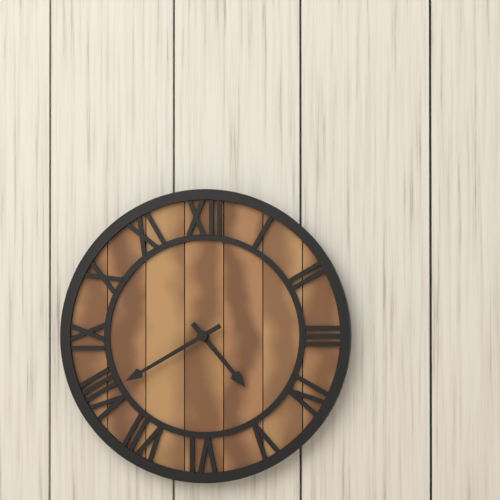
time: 4:40
